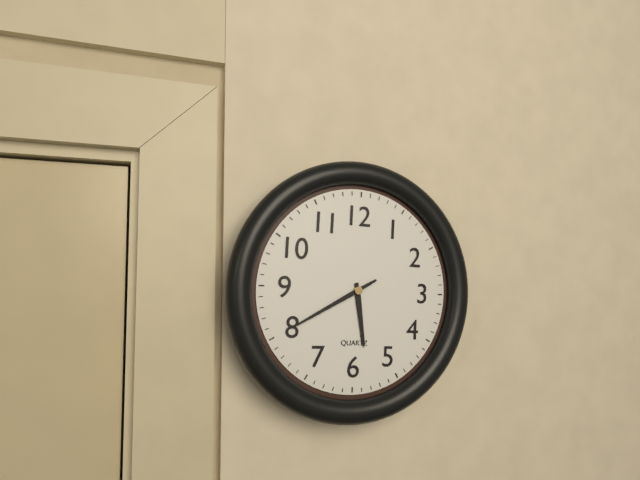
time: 5:40
